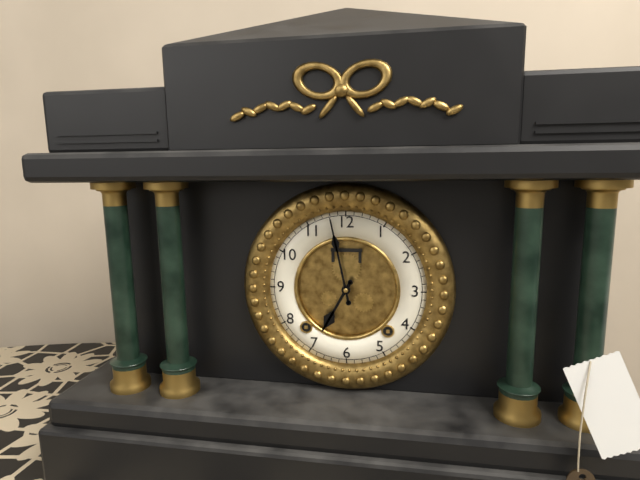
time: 6:58
